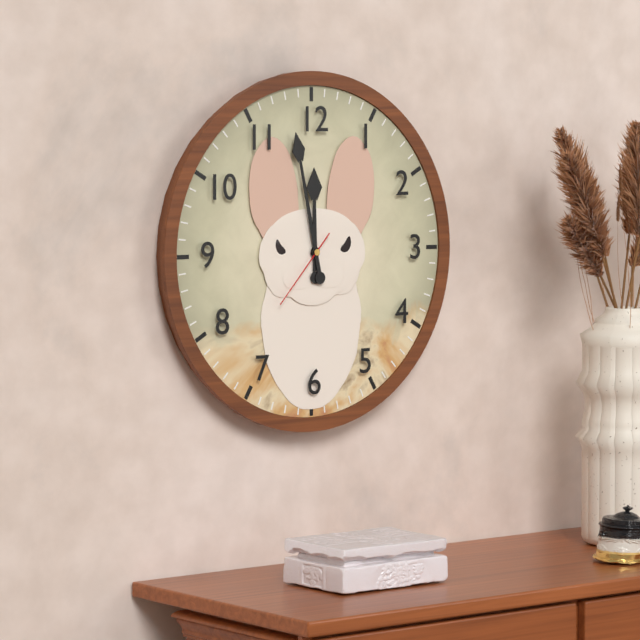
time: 11:58:37
